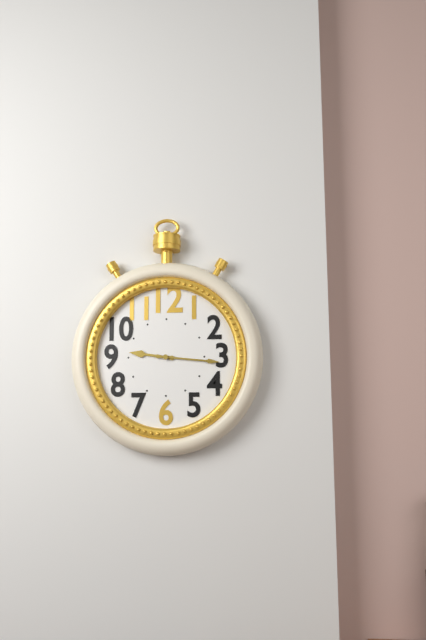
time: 9:16
